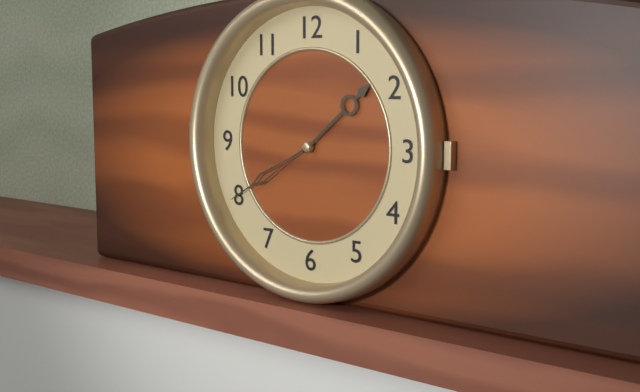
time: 1:40
